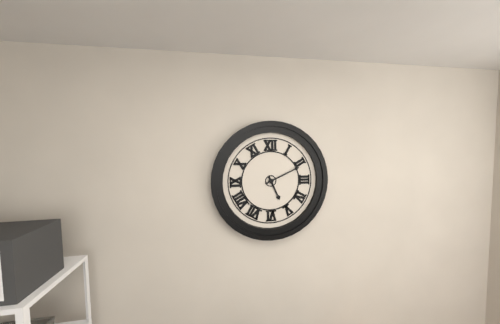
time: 5:11
